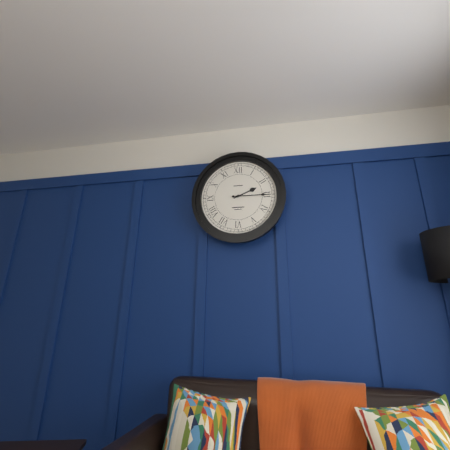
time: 2:15
